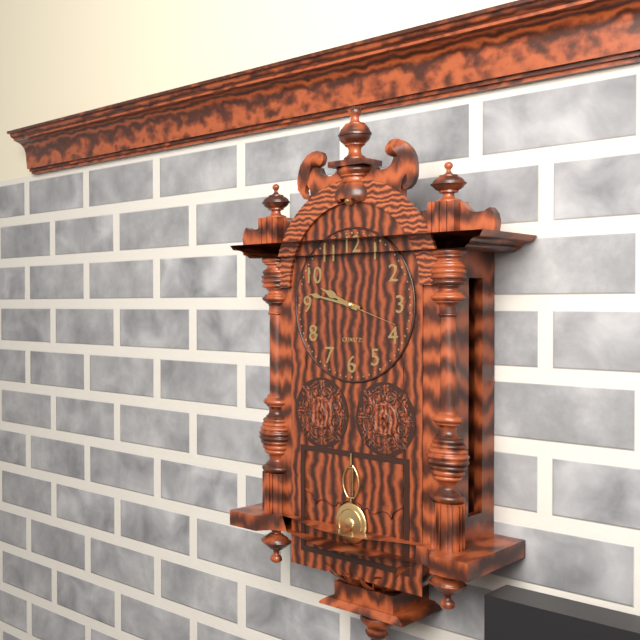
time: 9:47:18
